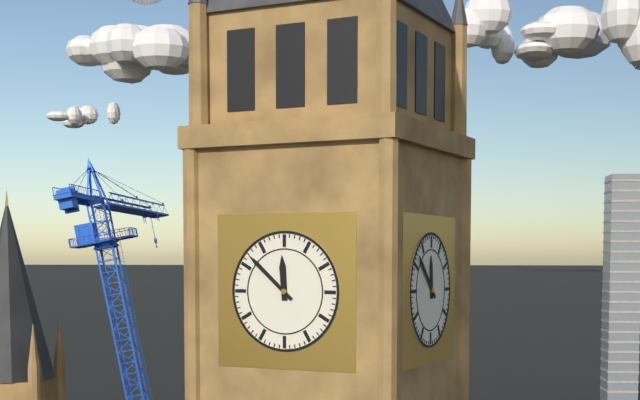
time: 11:52
